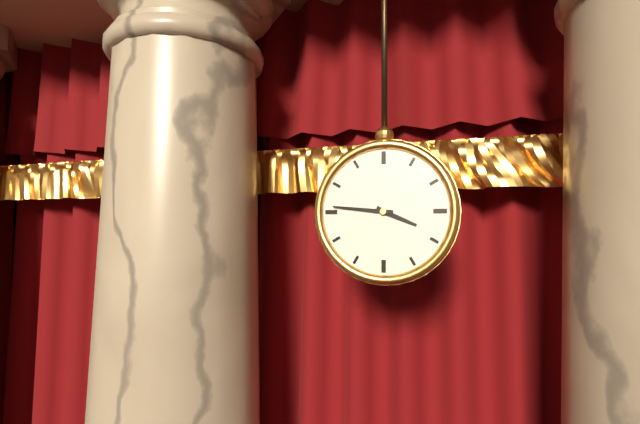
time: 3:46
